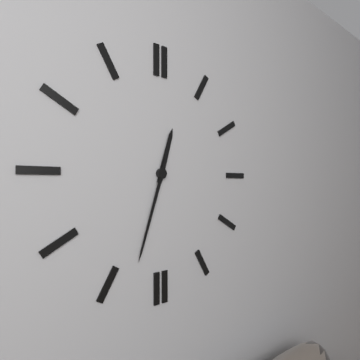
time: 12:33
